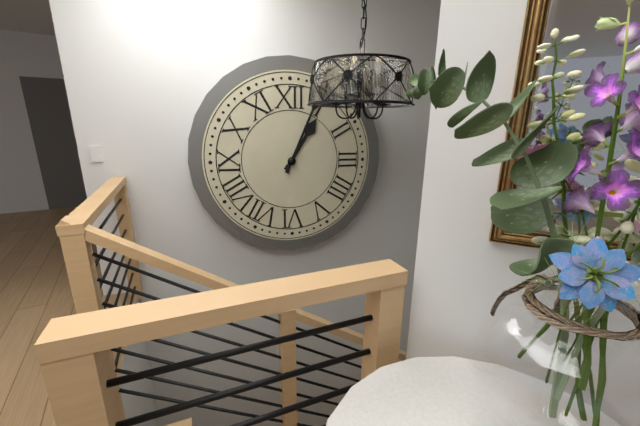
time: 1:04
